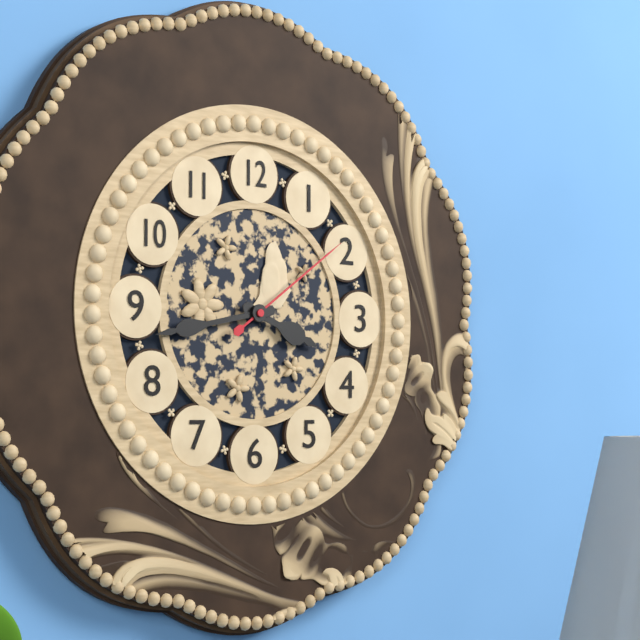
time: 3:43:09
